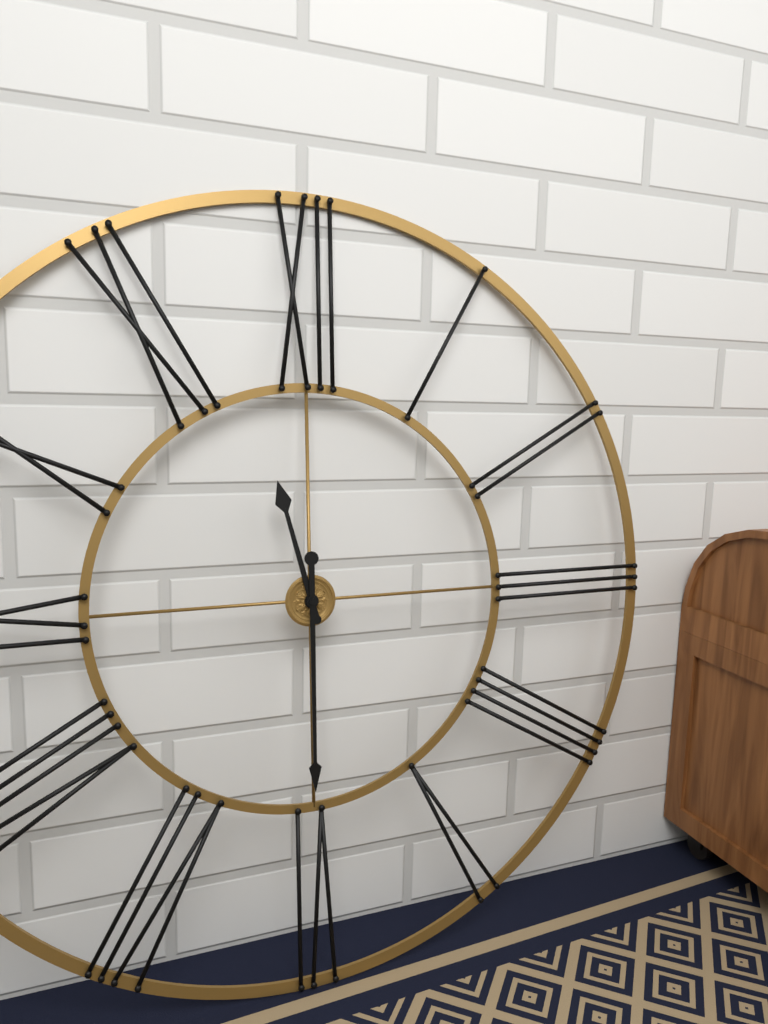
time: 11:30
